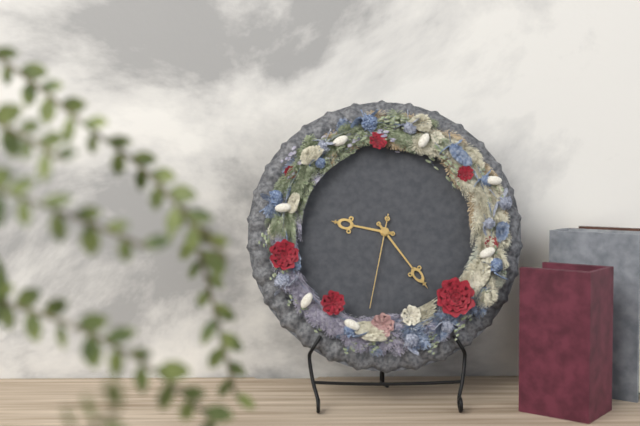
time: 9:24:32
